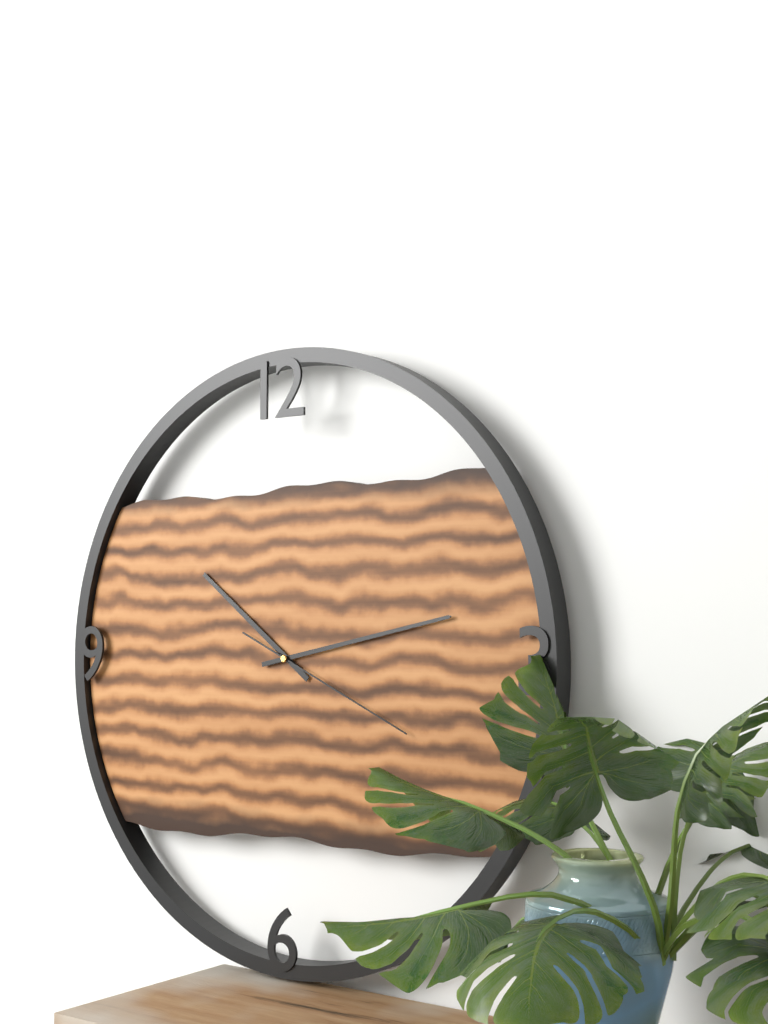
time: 10:13:19
